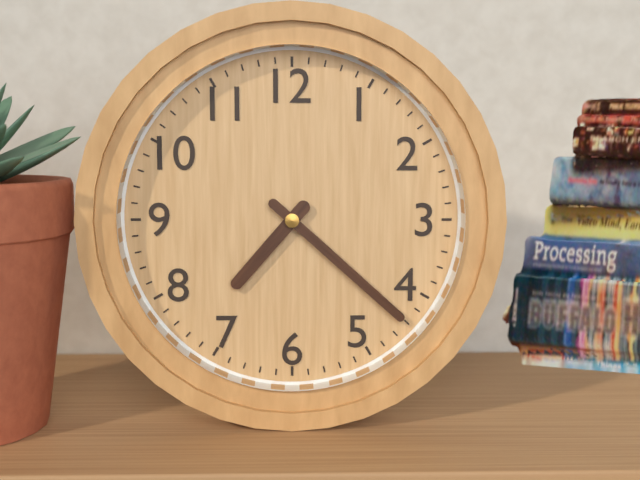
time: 7:22
